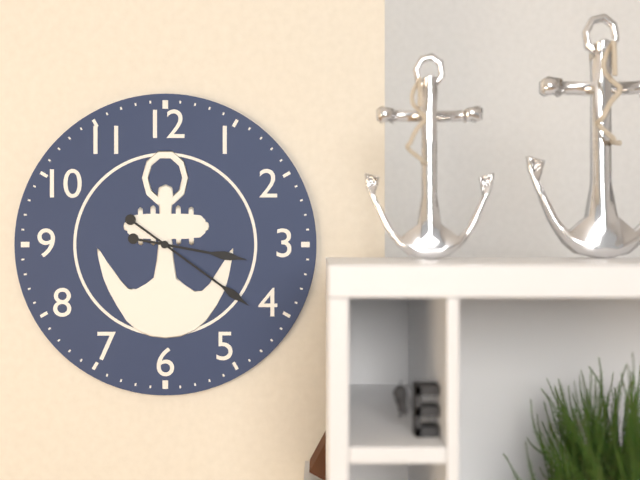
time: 3:21
